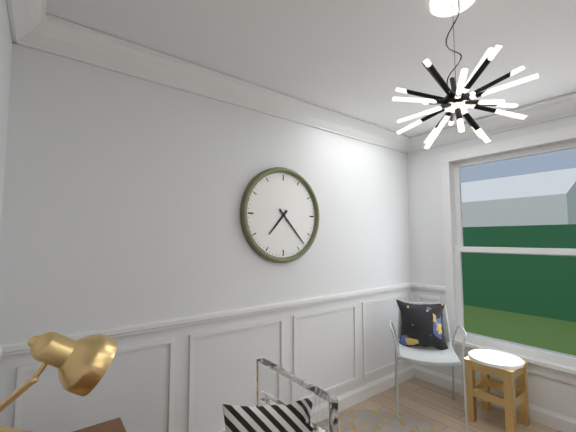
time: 7:23
